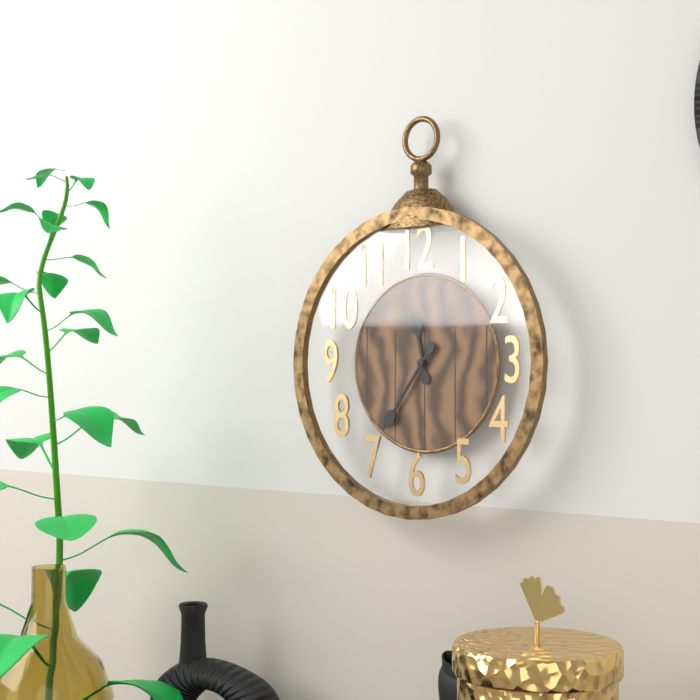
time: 11:36
